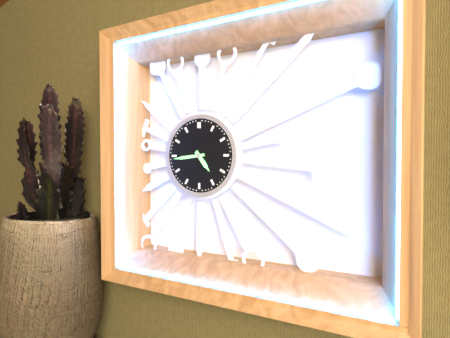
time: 4:44
